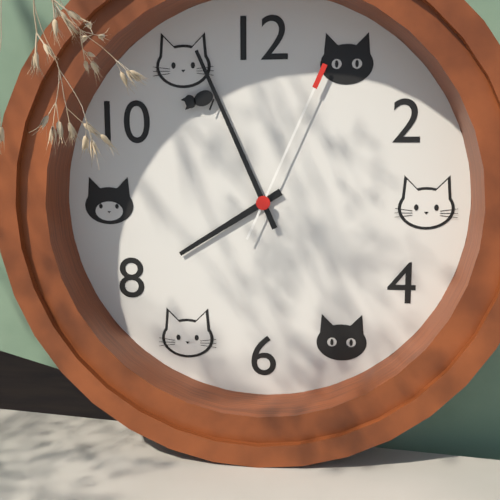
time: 7:56:04
